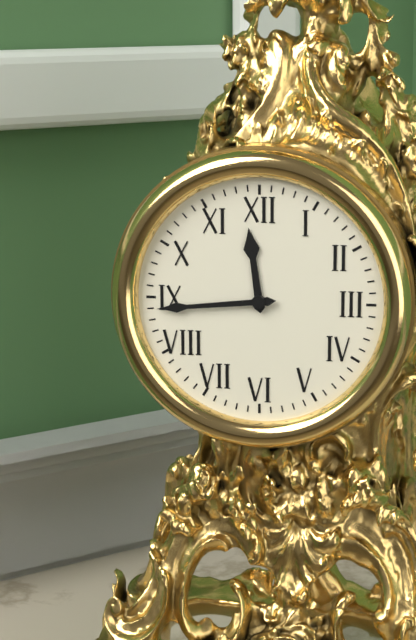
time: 11:44
